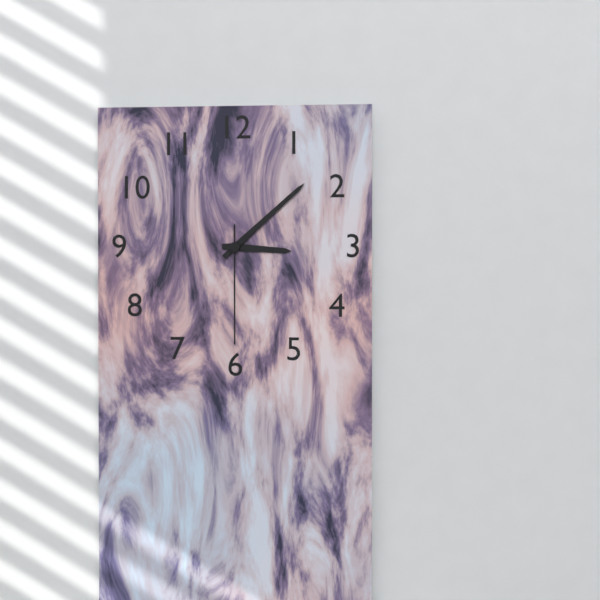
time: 3:08:30
